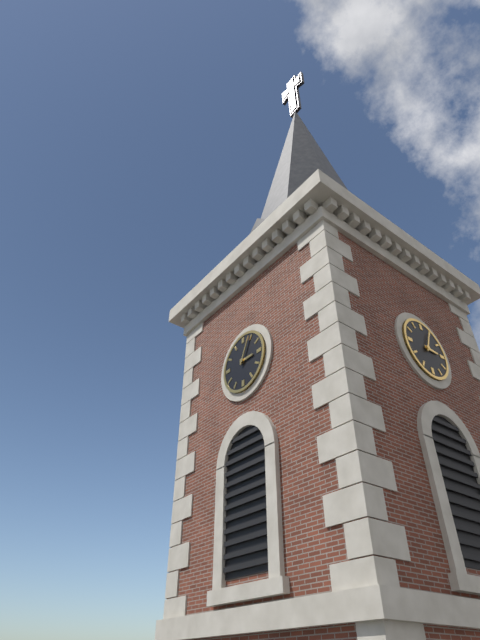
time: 3:04
